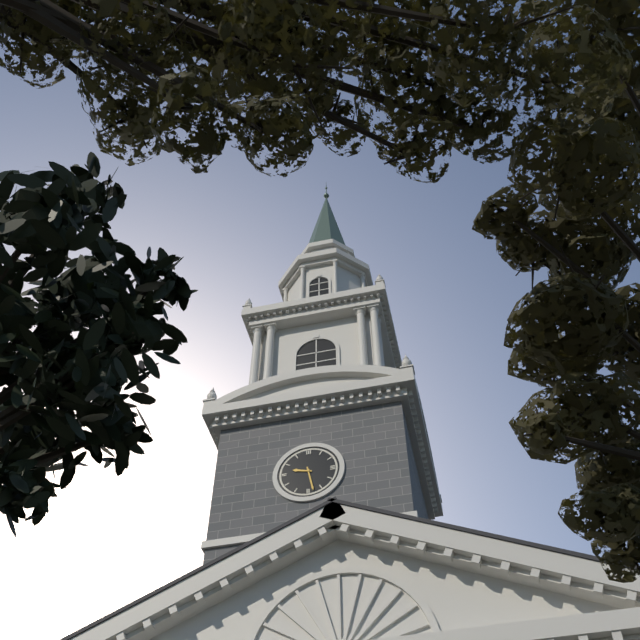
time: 9:28
